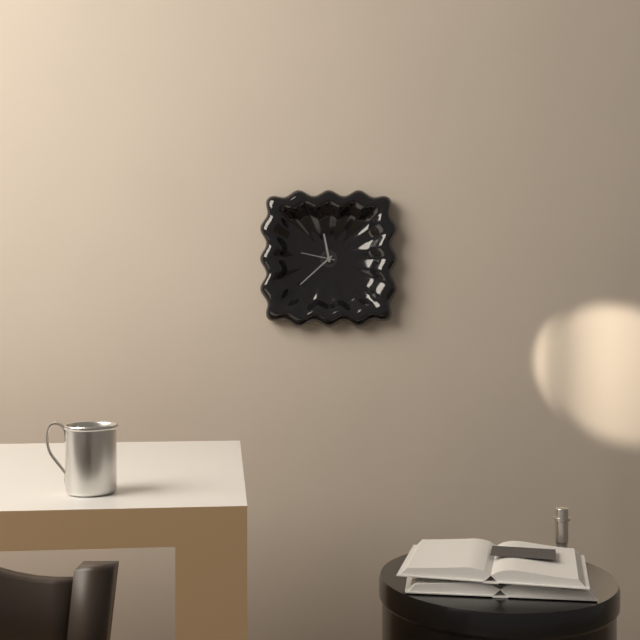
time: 11:38
